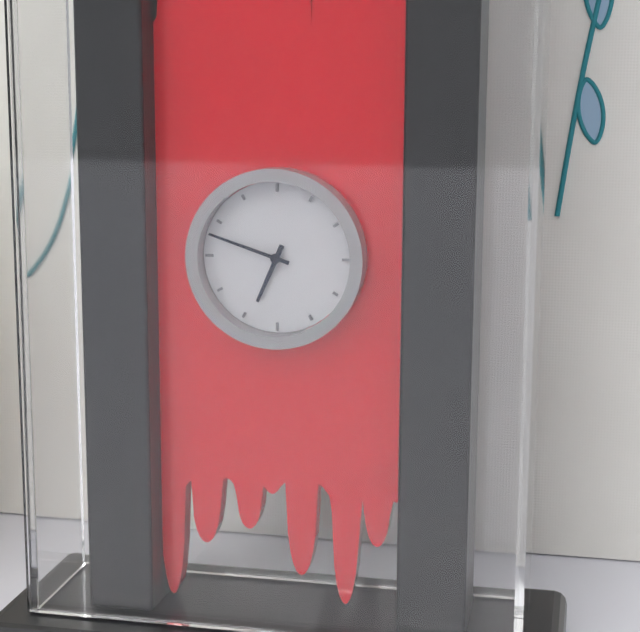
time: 6:48
